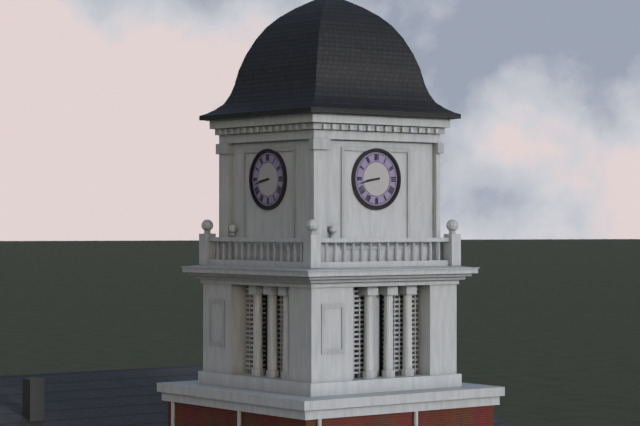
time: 8:43
